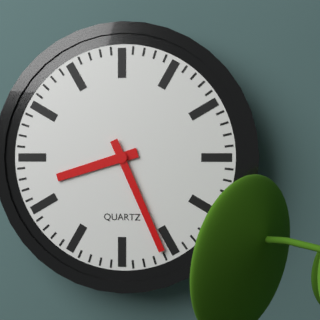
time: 8:26
